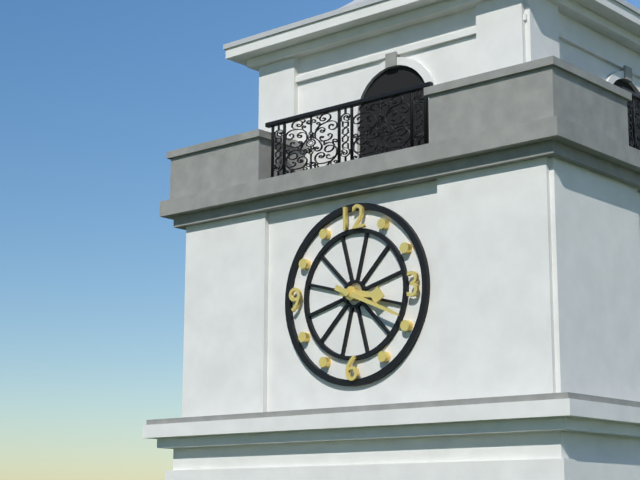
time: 3:19
